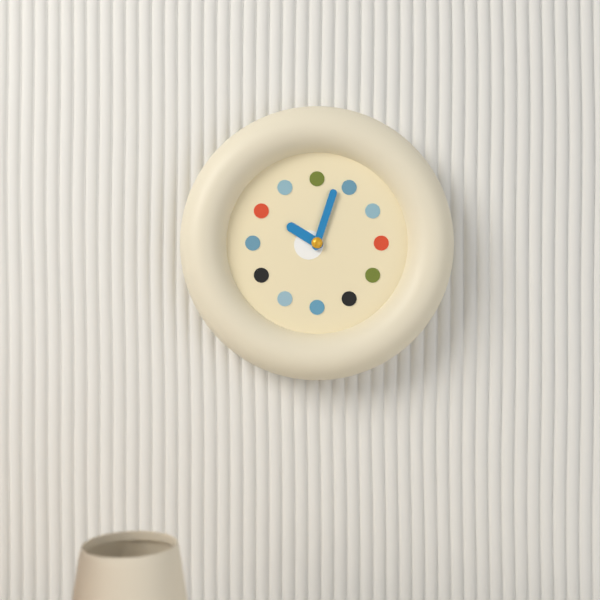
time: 10:03
